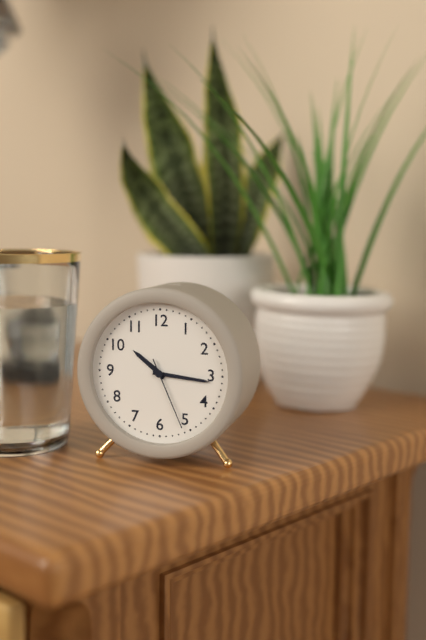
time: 10:16:26
